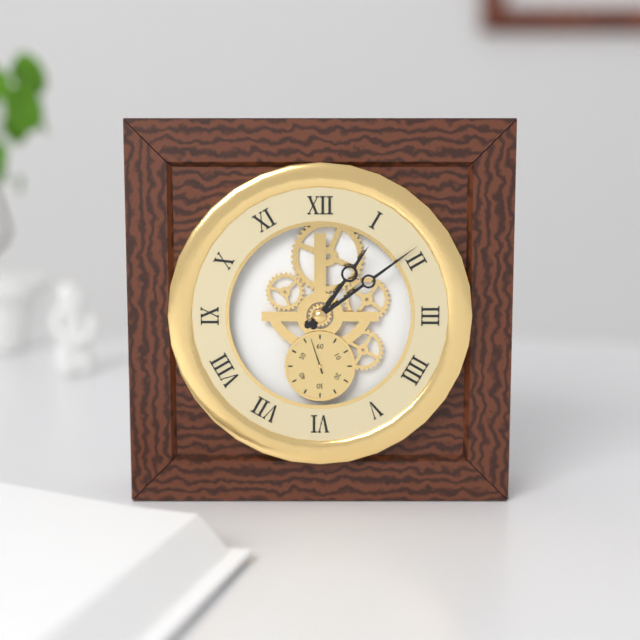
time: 1:09
